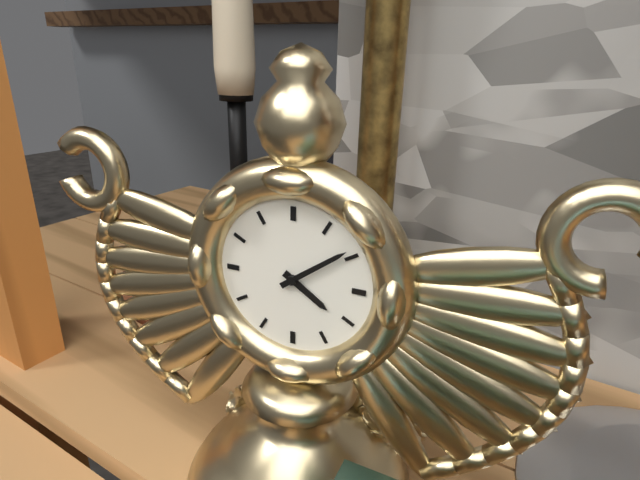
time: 4:09
